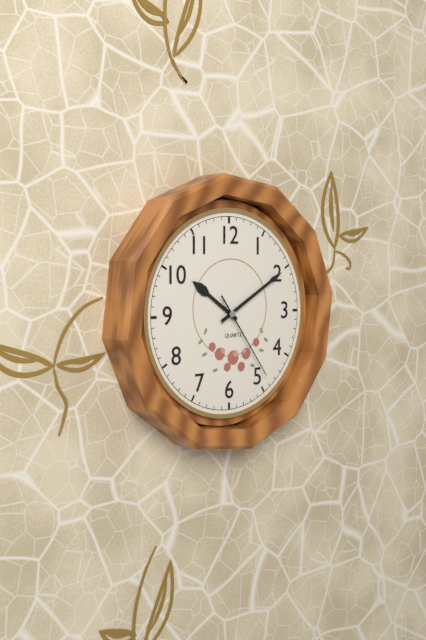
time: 10:10:24
